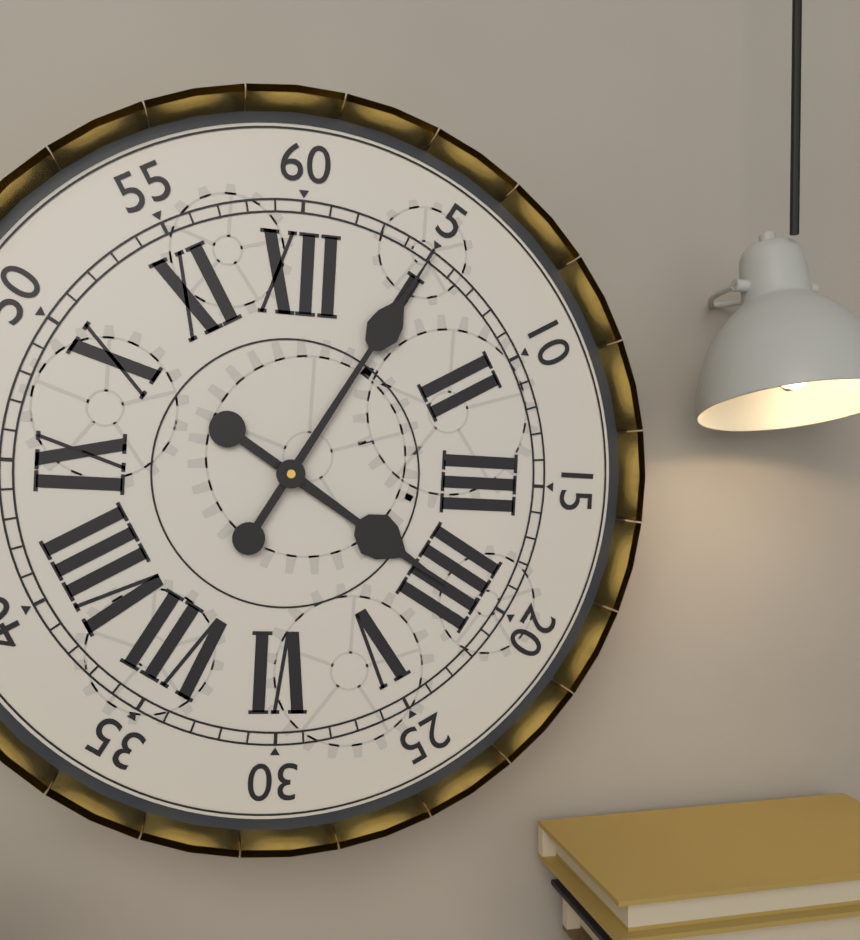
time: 4:05
